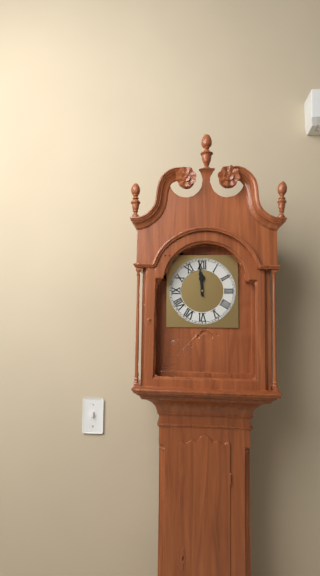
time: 11:59
